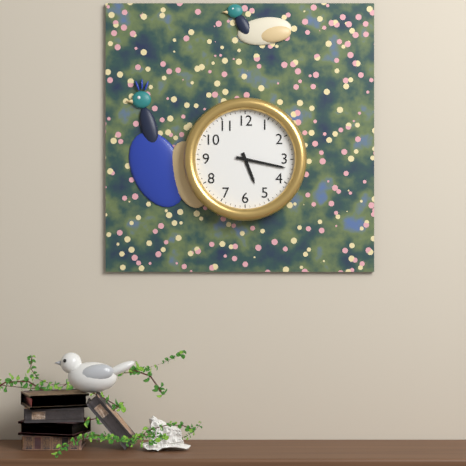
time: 5:17
